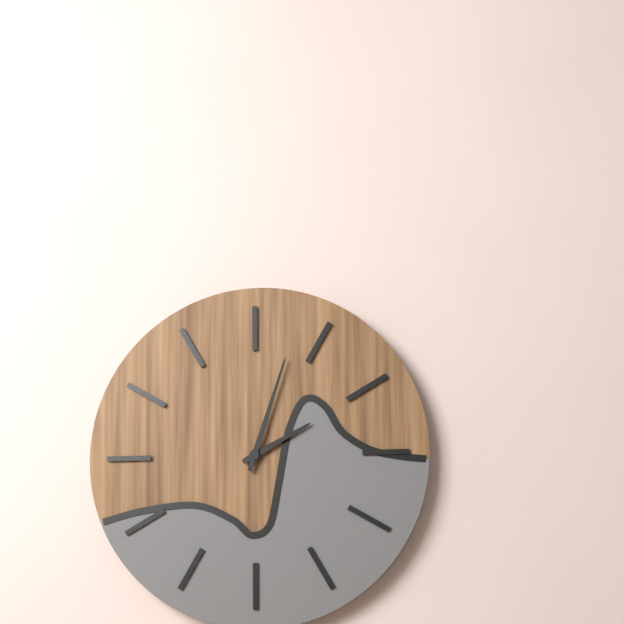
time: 2:03
